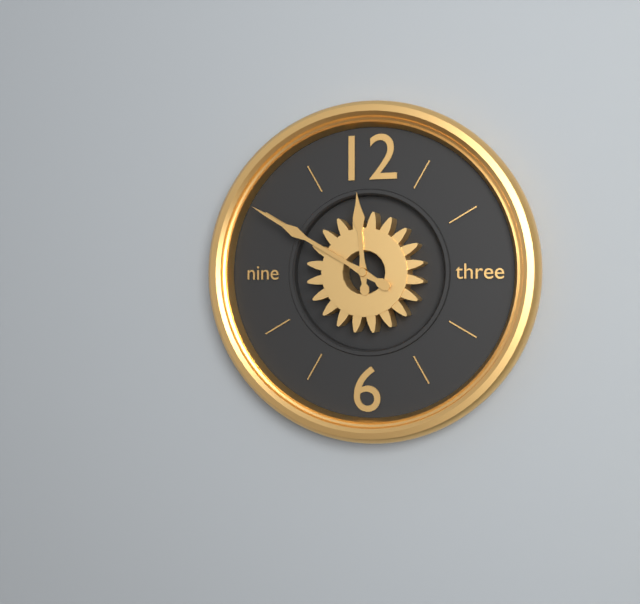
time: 11:50
